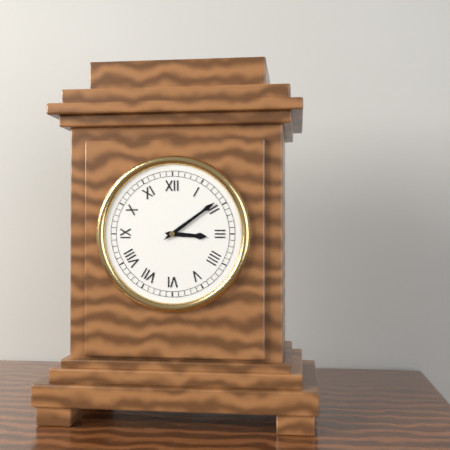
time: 3:09
